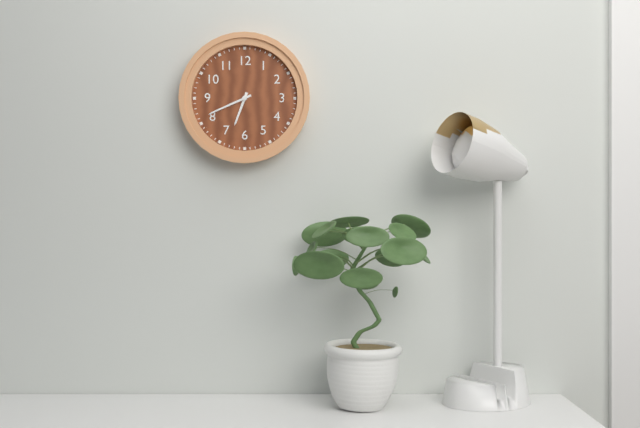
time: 6:41
